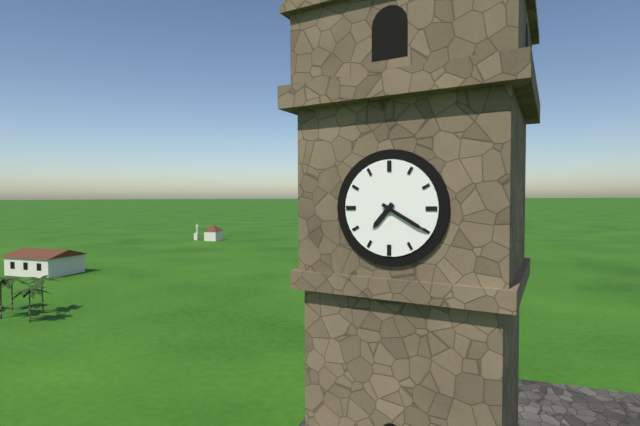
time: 7:20
